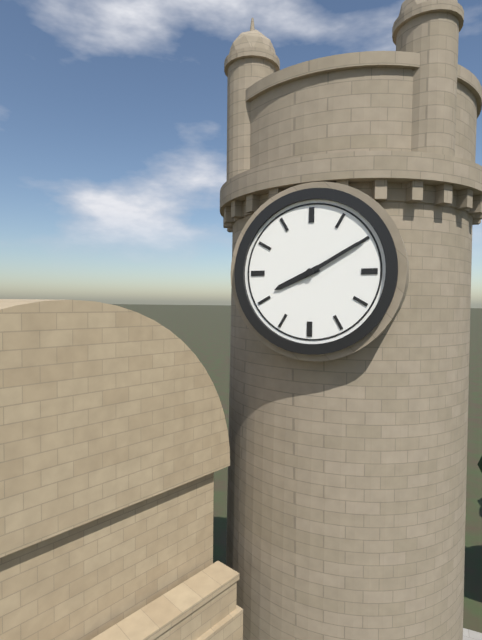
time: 8:10
